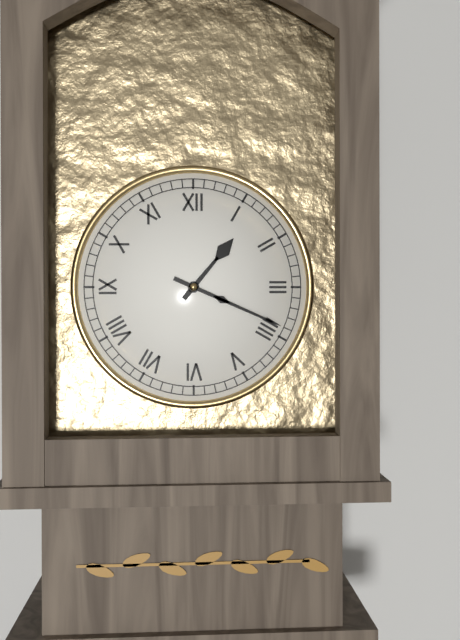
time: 1:19
